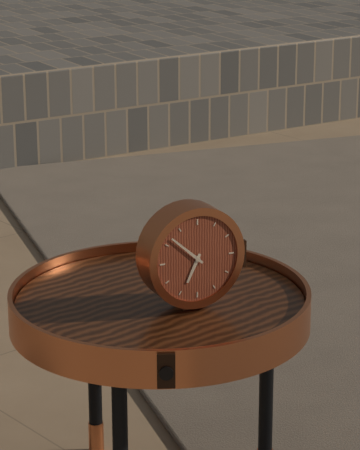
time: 6:52
